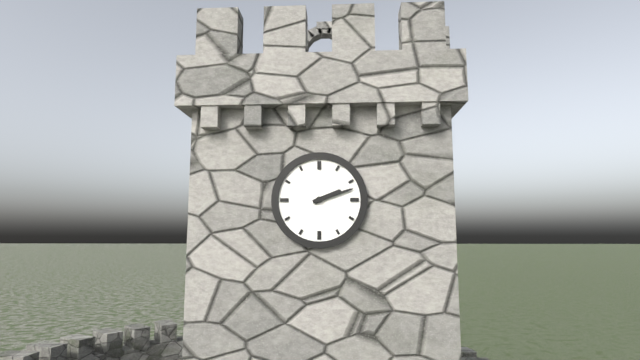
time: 2:12
